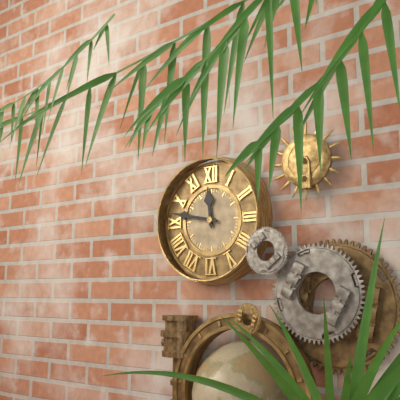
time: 11:47
